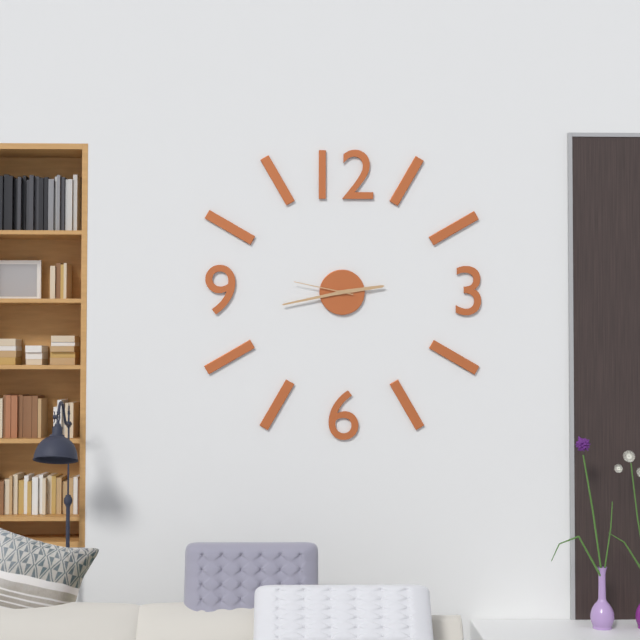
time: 2:43:47
